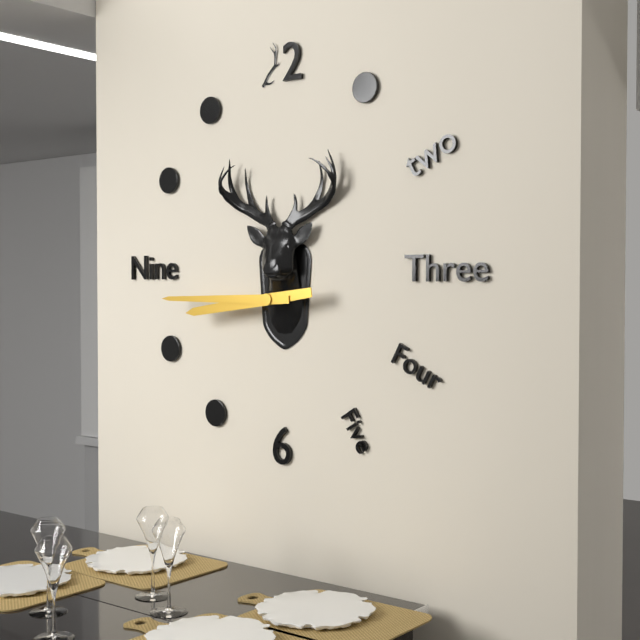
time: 8:45
